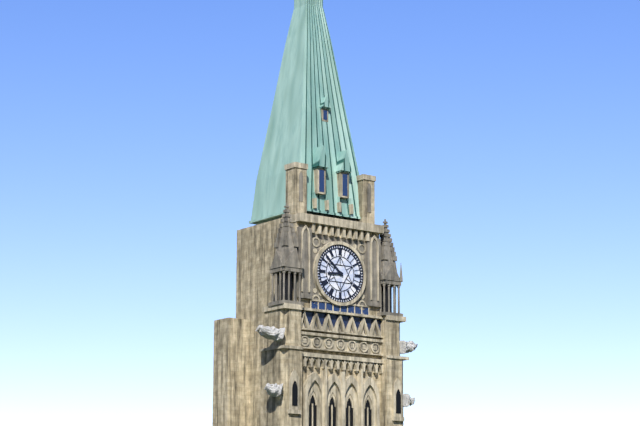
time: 8:52
